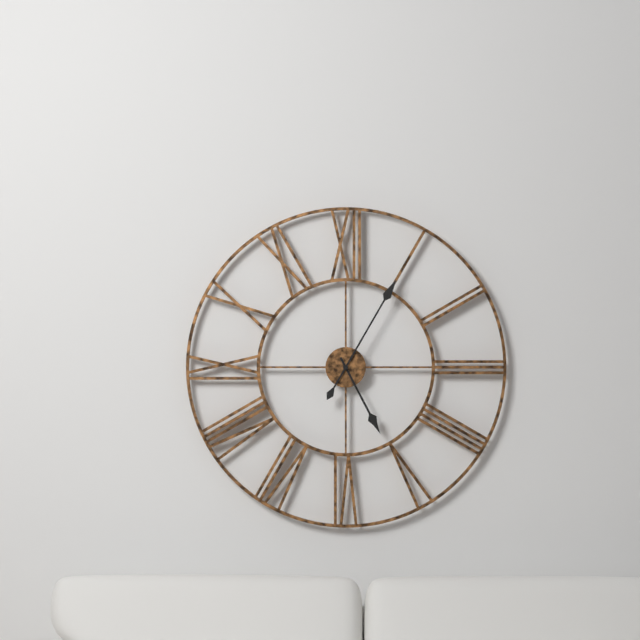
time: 5:05
